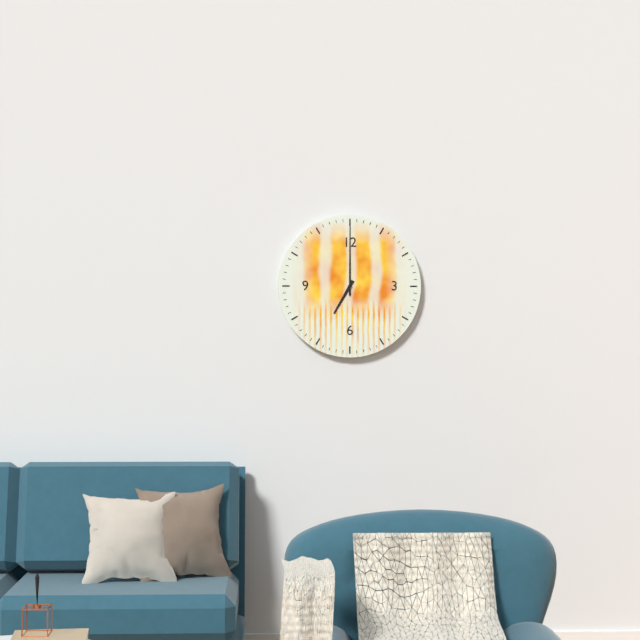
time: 7:00
